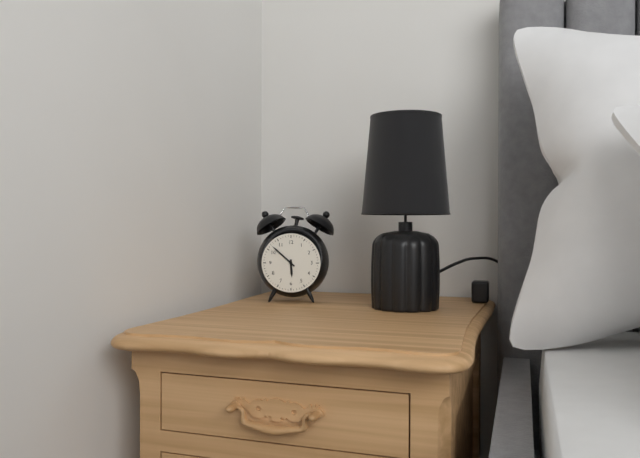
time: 5:52
